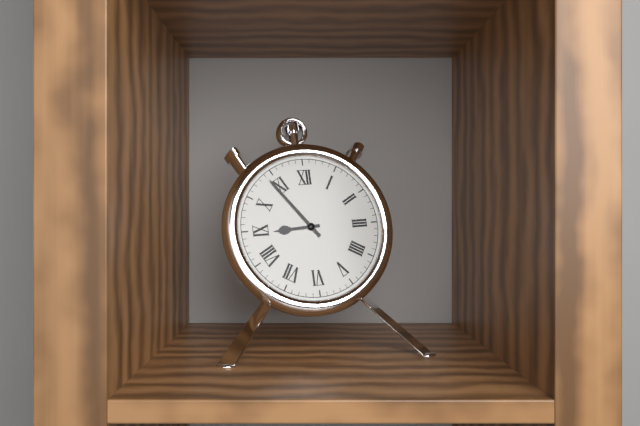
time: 8:54
